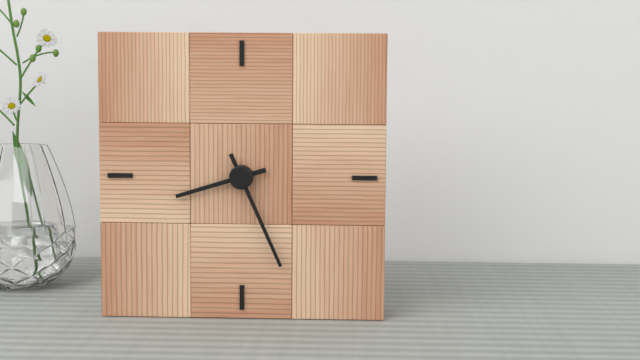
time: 8:26
